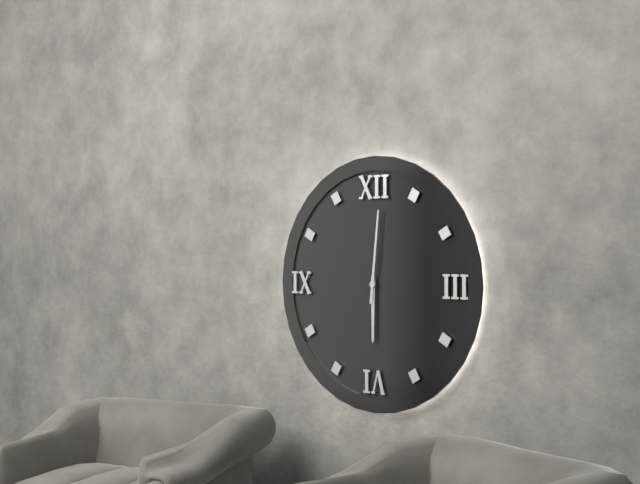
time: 6:01
